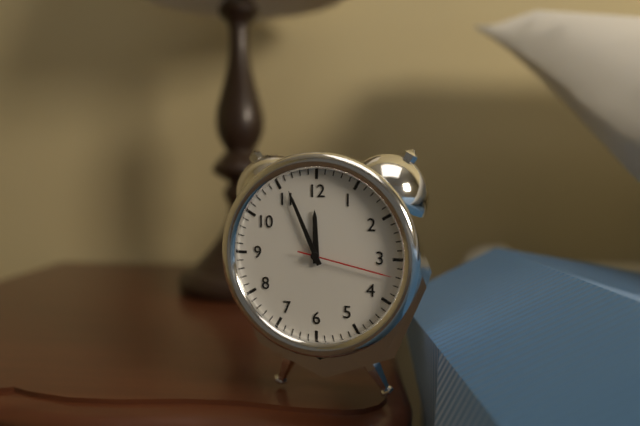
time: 11:56:17
